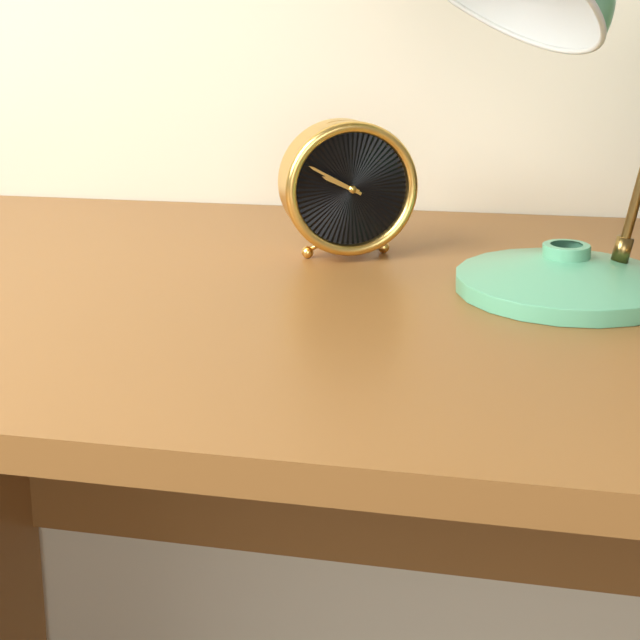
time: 9:50
